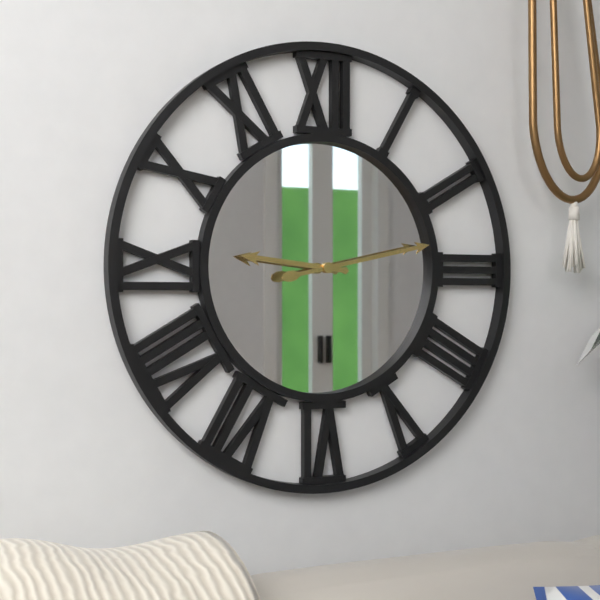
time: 9:13
